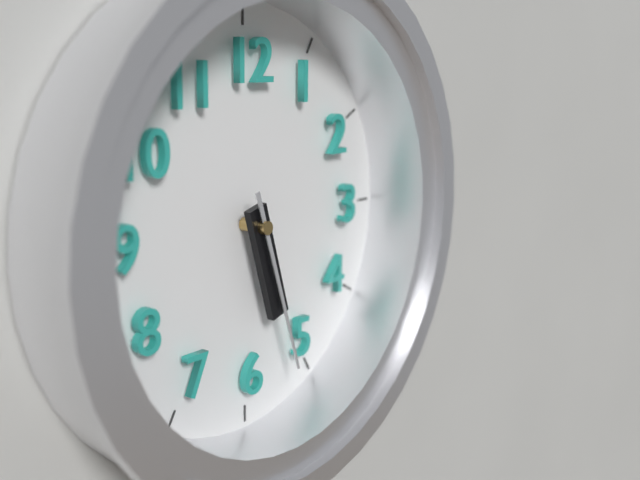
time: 5:27
